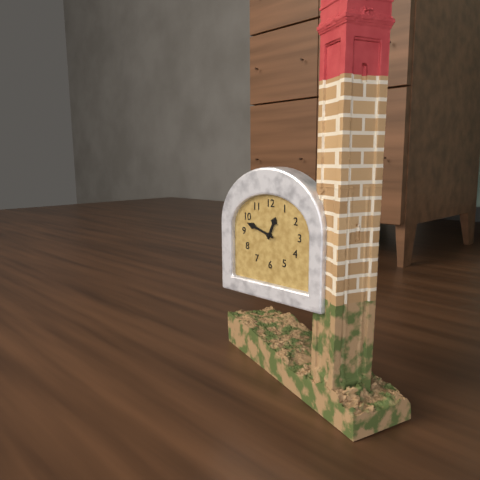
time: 12:48
